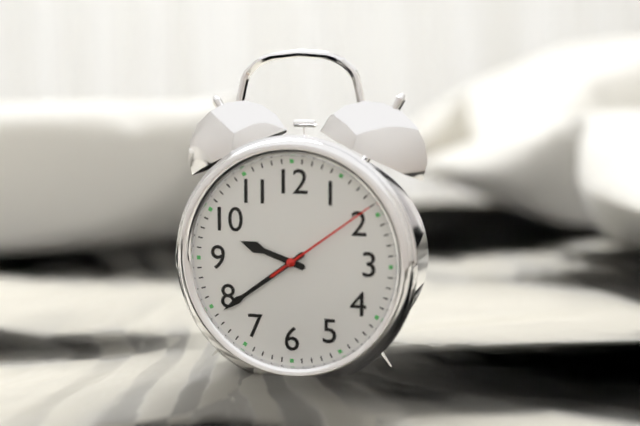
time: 9:39:09
